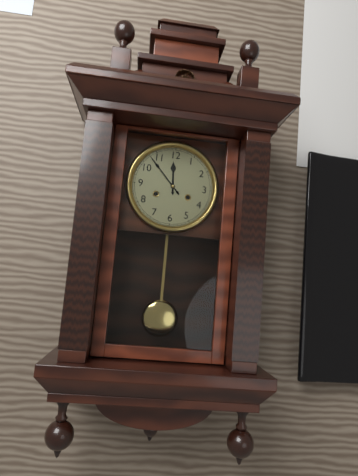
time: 11:53
